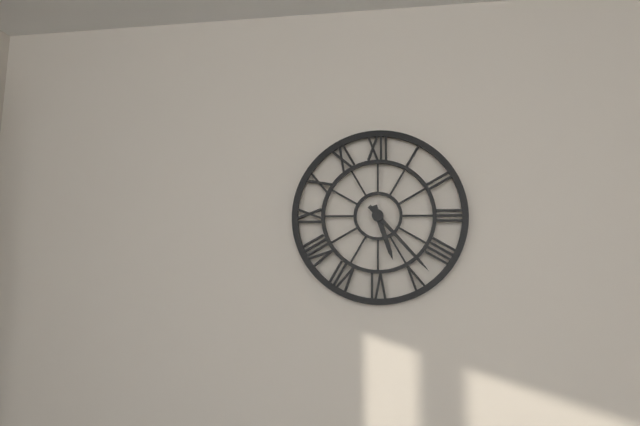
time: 5:23
